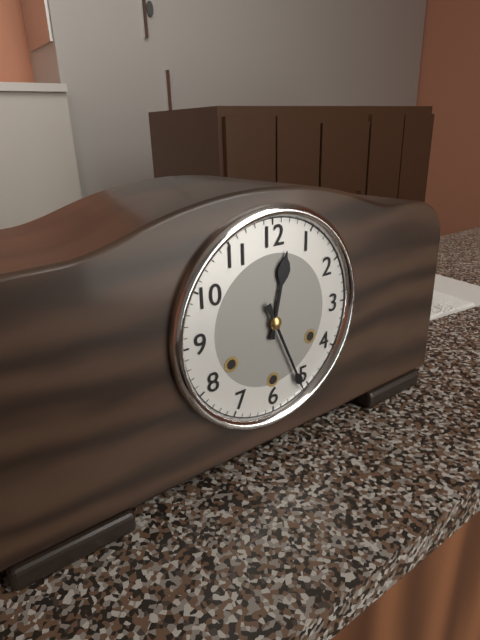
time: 12:26
